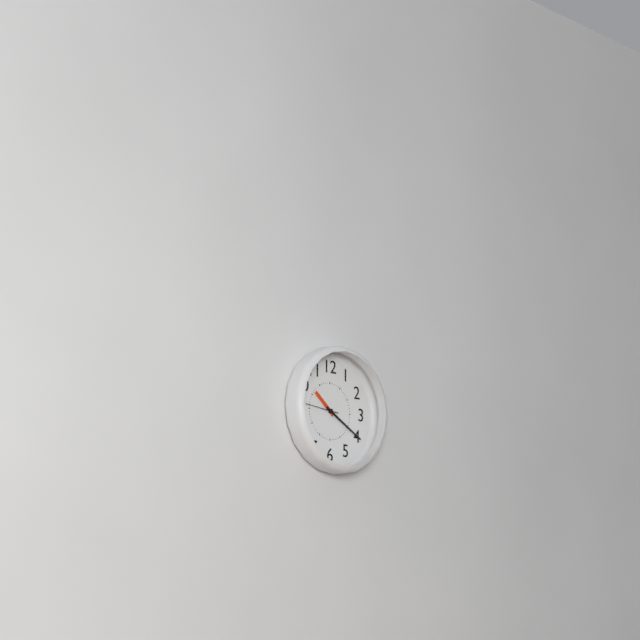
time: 10:20
